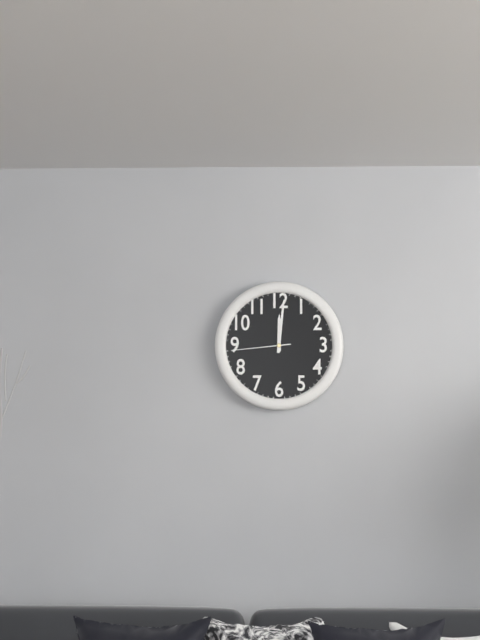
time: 12:01:44
